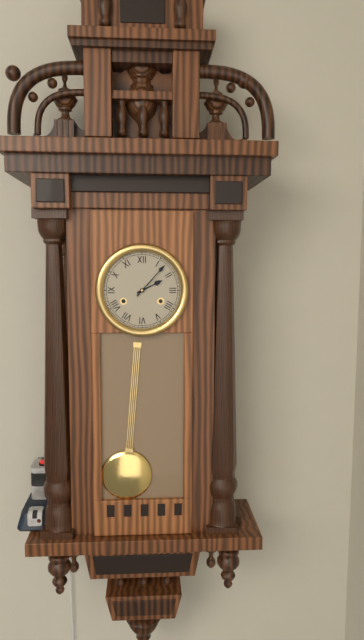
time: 2:07
